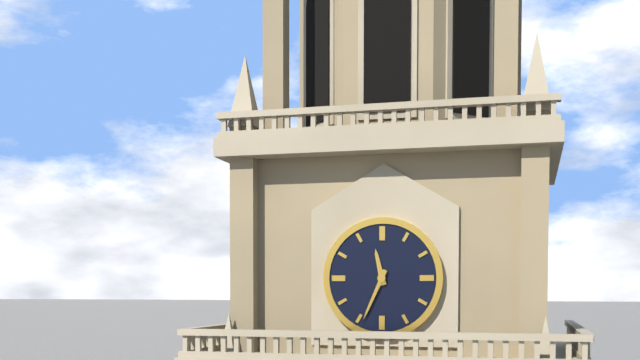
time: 11:34
